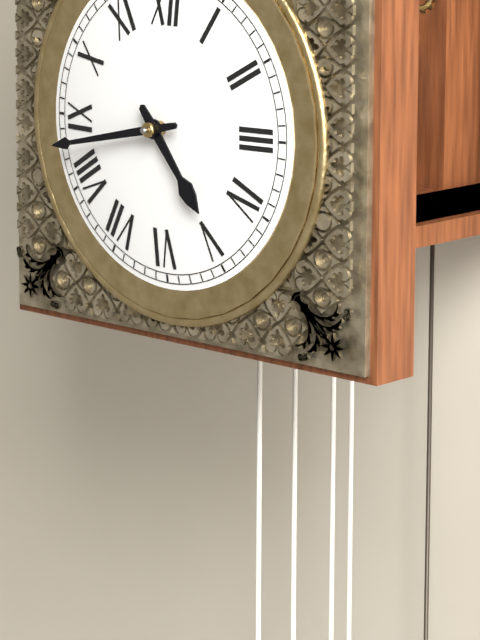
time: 4:43
